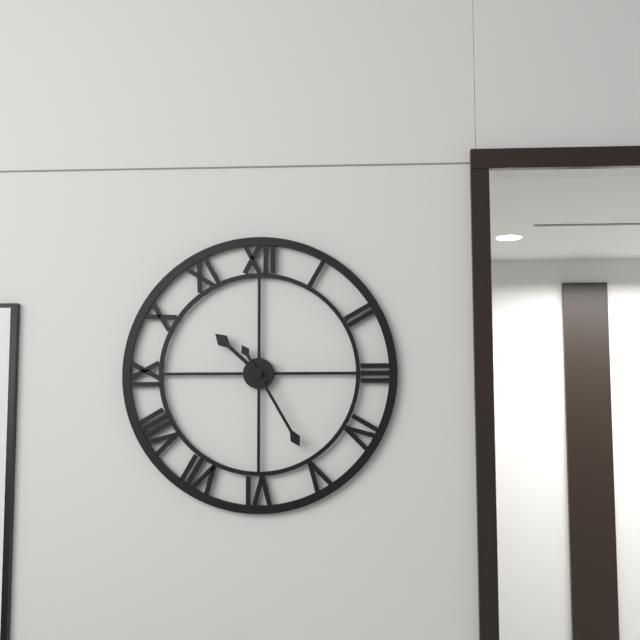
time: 10:25
